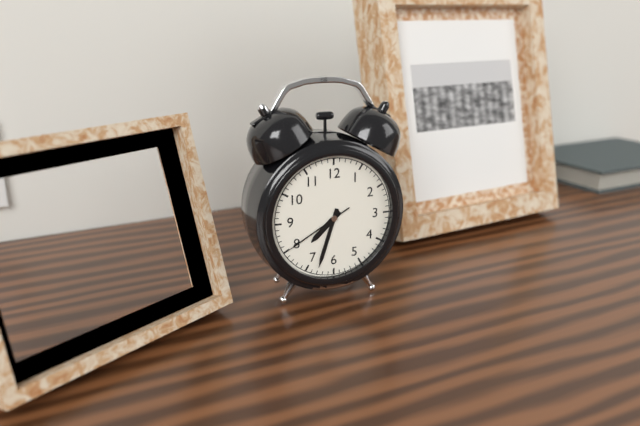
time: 7:33:40
